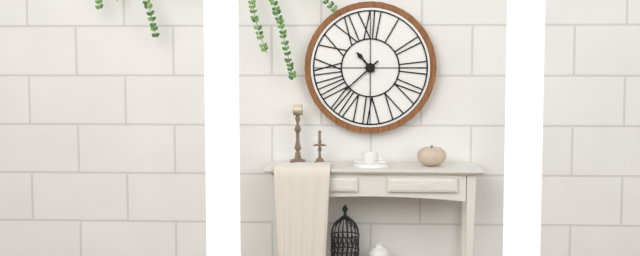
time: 10:38
